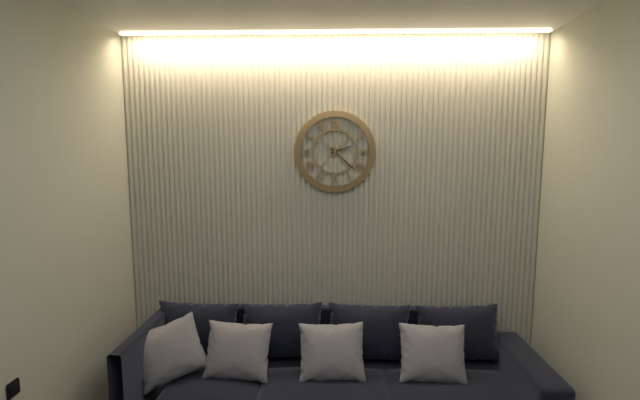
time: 2:22
